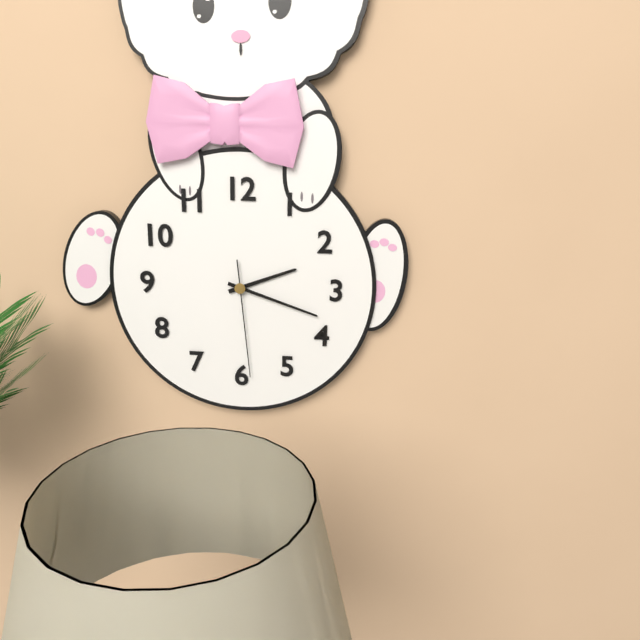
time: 2:18:29
